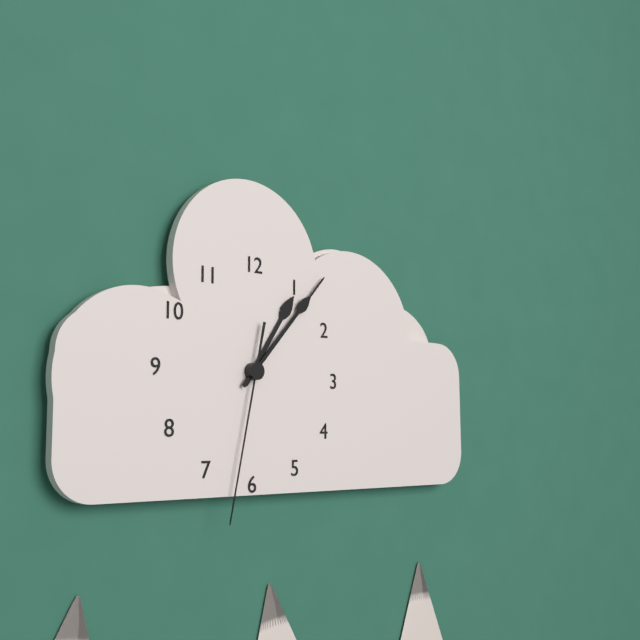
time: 1:07:32
